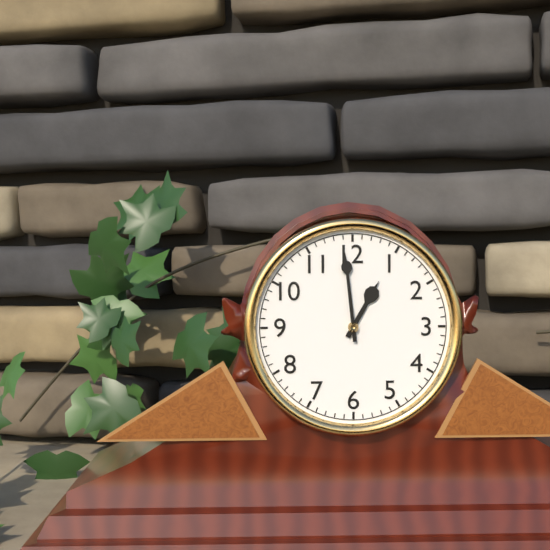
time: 12:59
